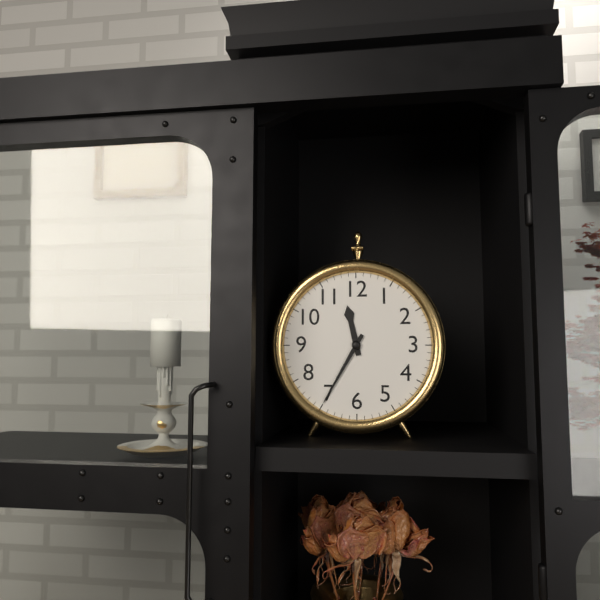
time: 11:35
